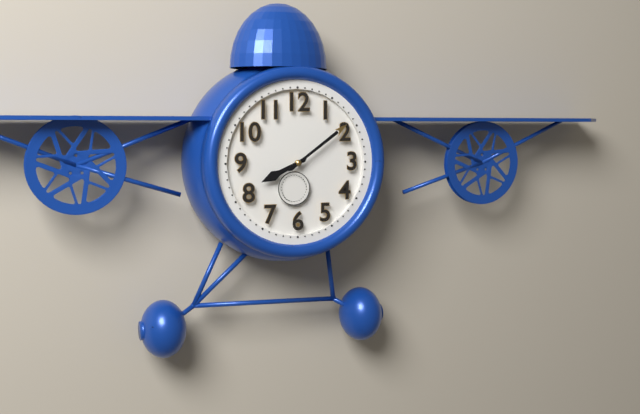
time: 8:09
